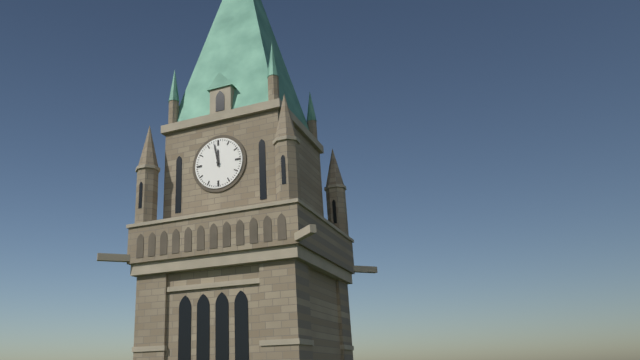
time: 11:58
